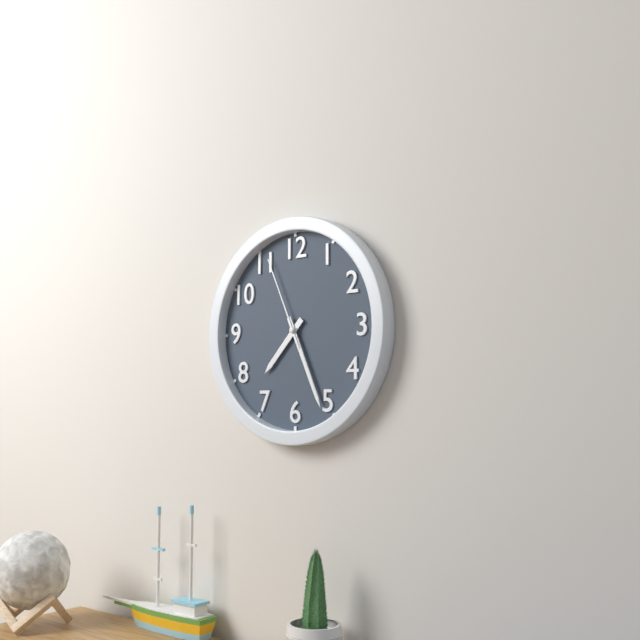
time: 7:26:56
